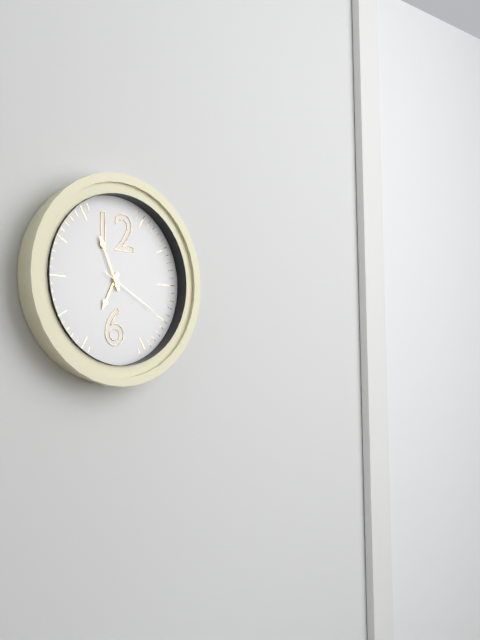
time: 6:56:20
